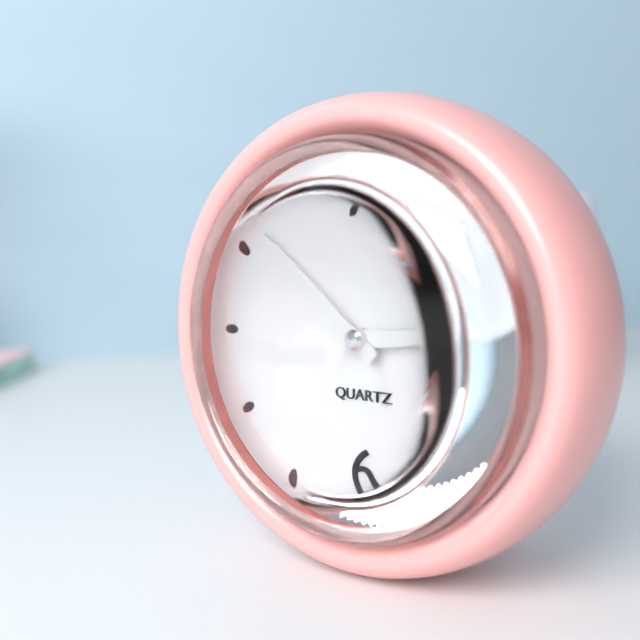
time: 2:52
